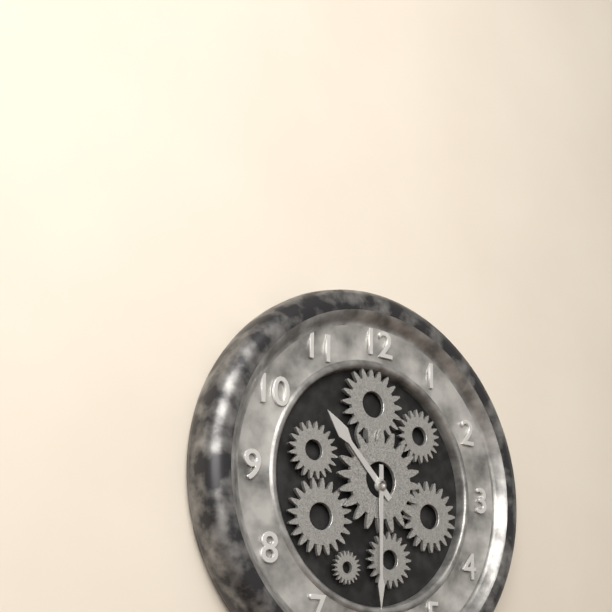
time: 10:30
